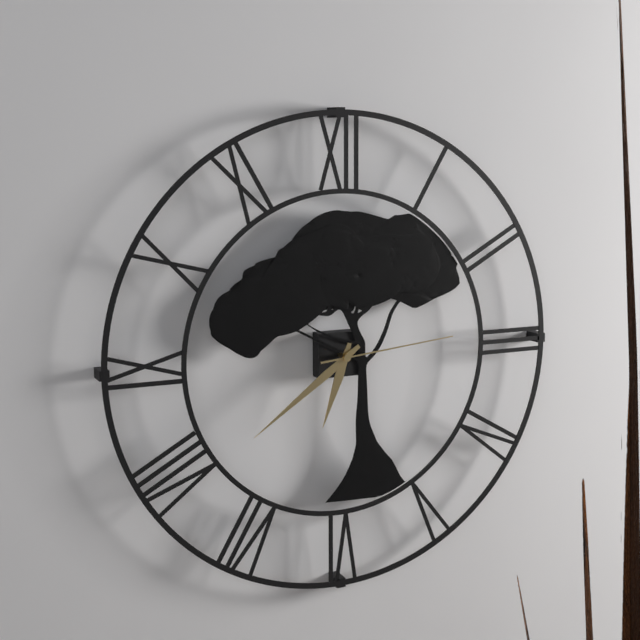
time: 6:39:14
